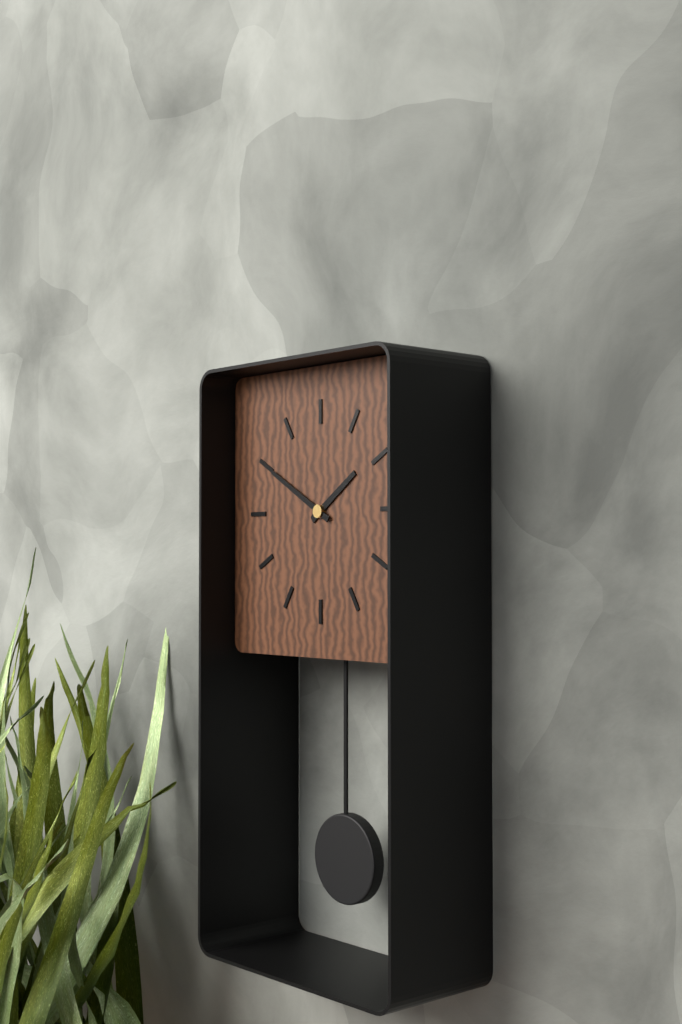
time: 1:50
